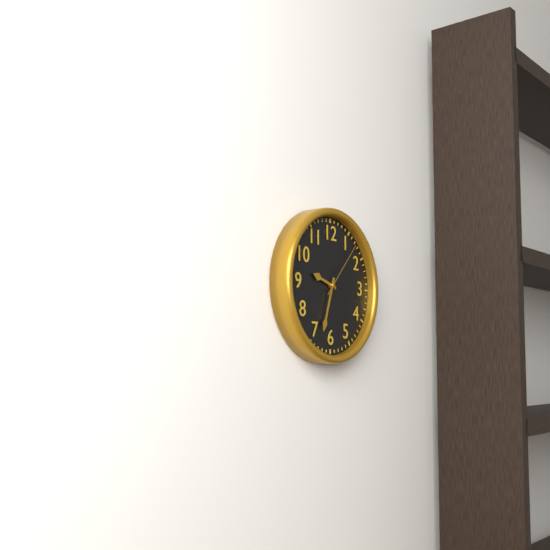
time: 9:33:07
